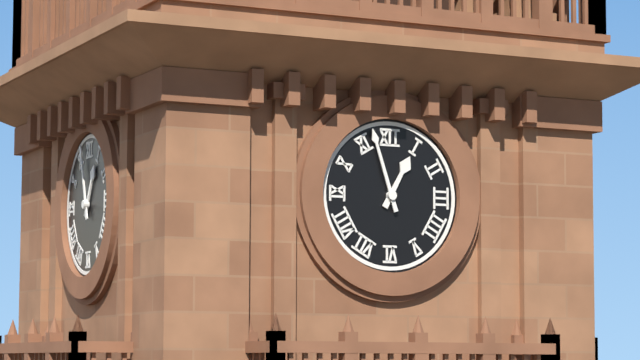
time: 12:57
